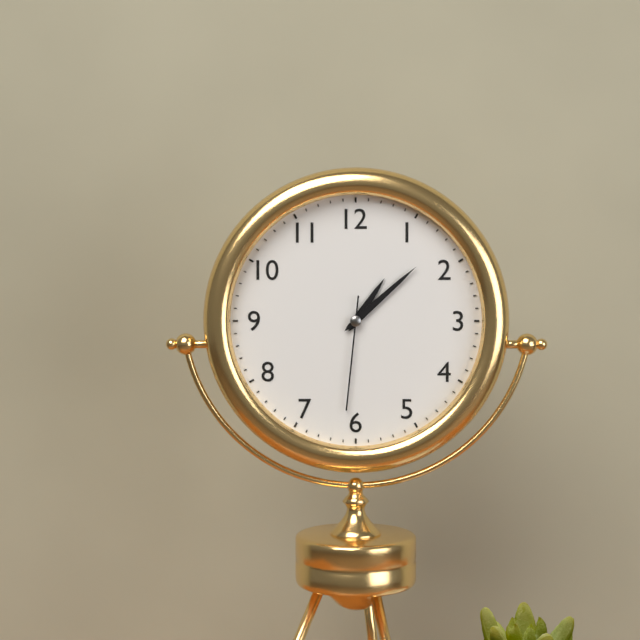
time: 1:08:31
